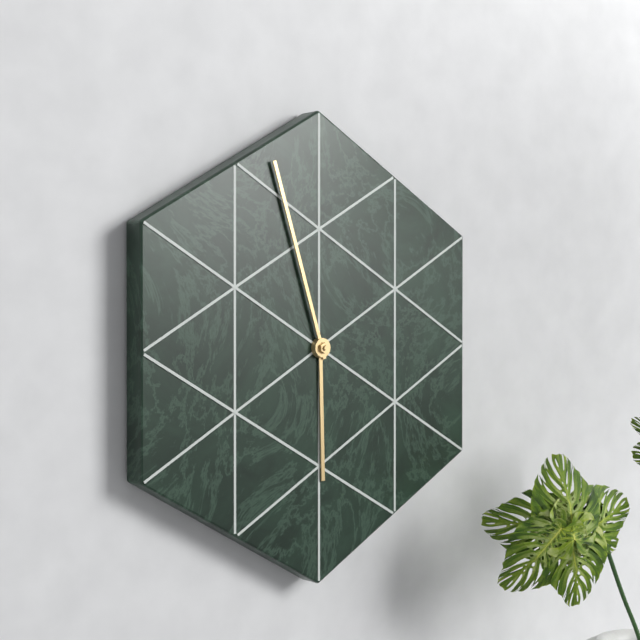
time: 5:57
